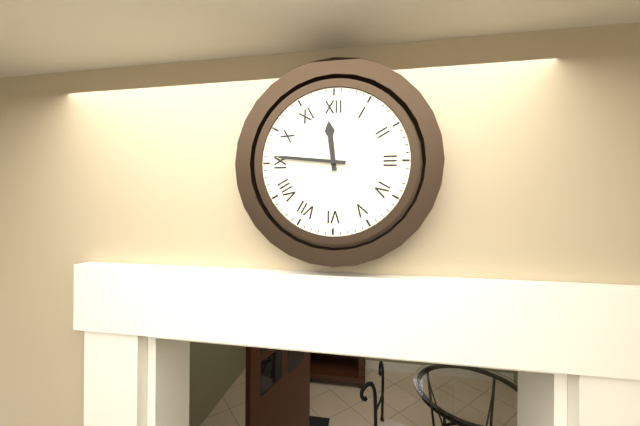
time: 11:46
